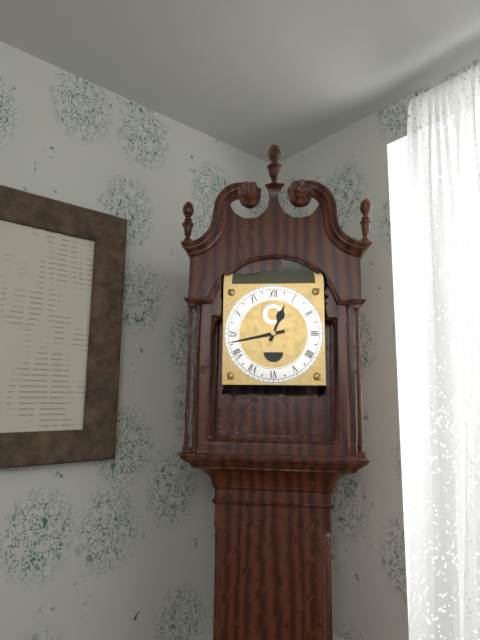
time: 12:43
